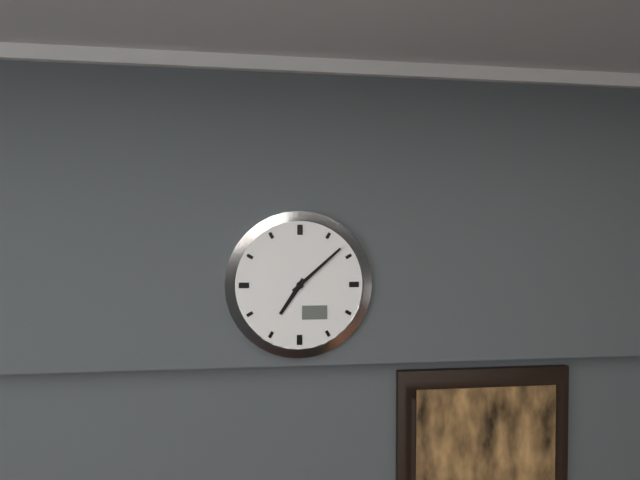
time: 7:08
